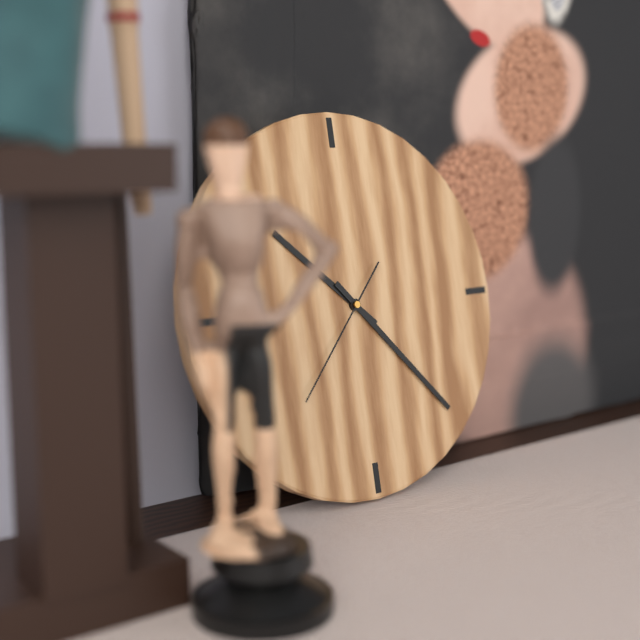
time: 10:23:37
